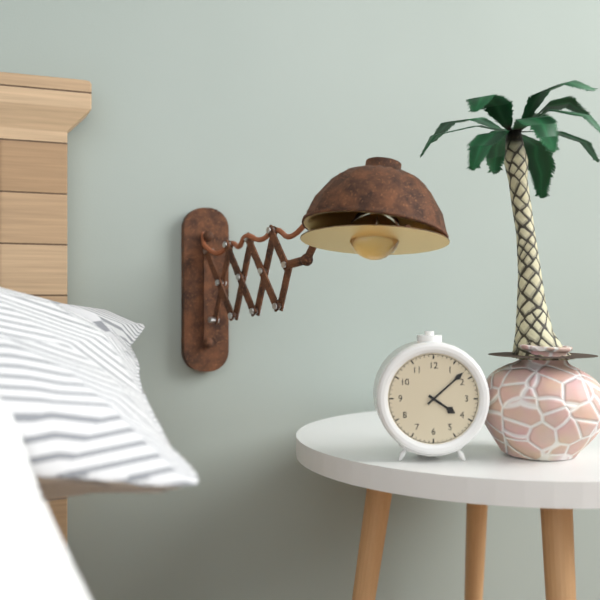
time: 4:08
